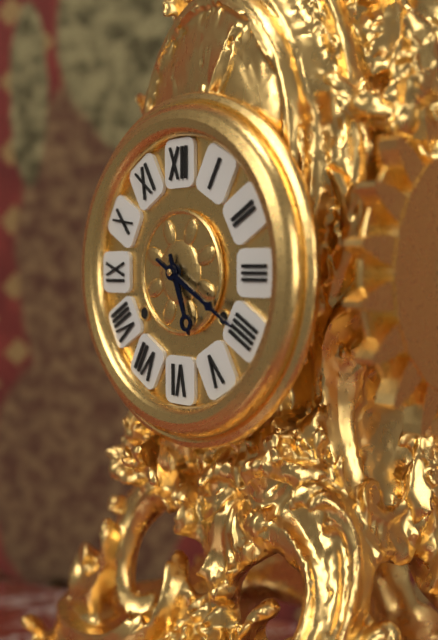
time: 5:20
